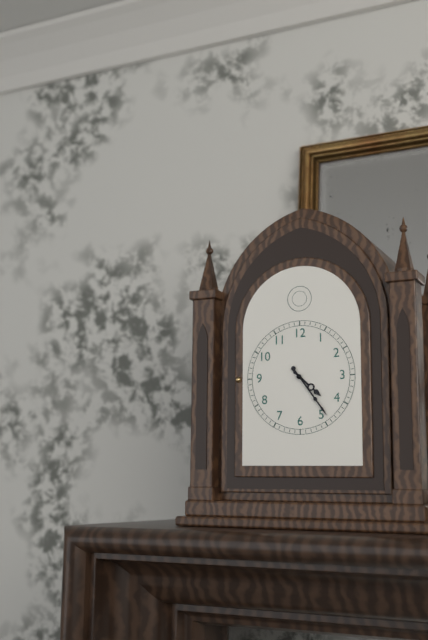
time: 4:24
